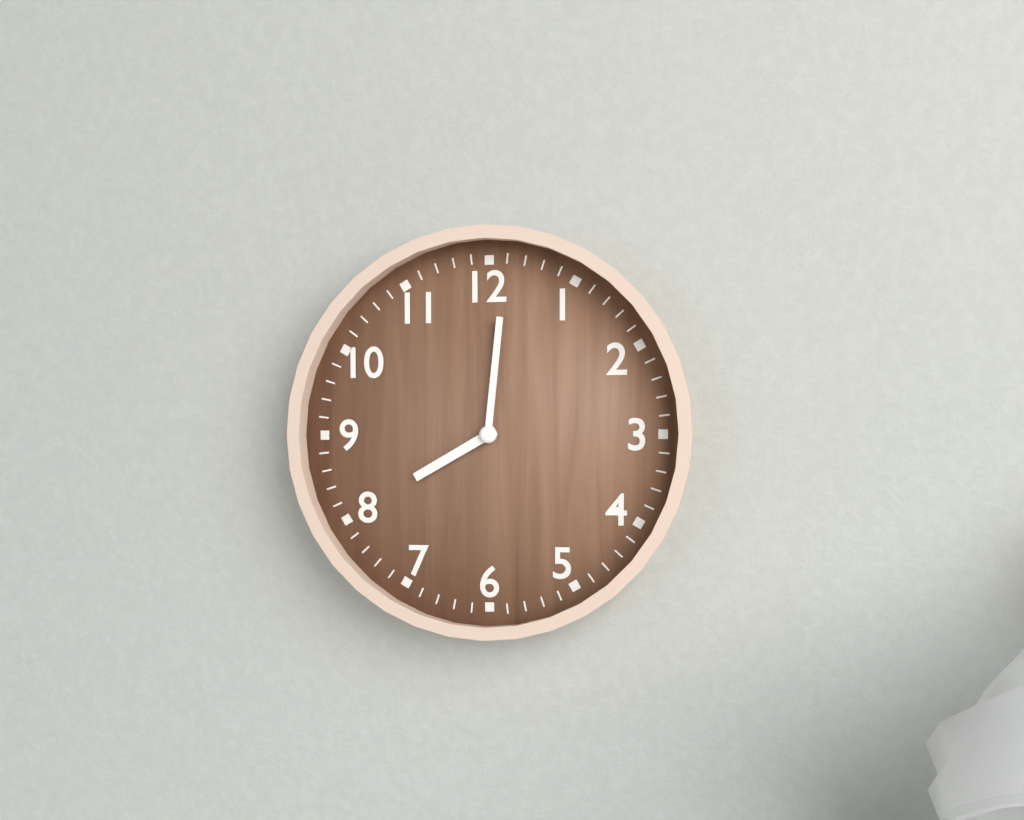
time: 8:01
